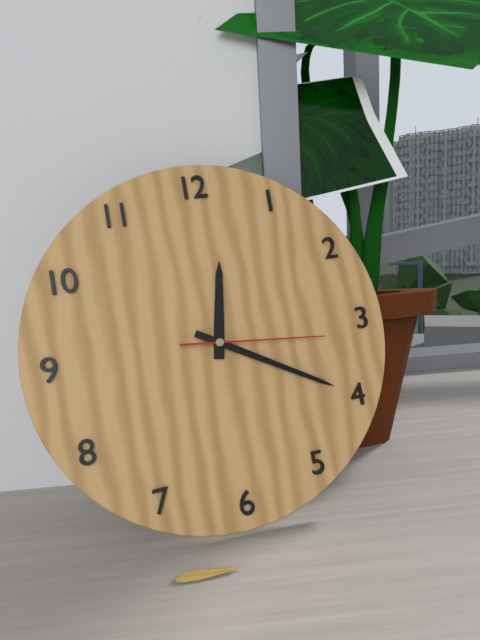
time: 12:20:16
